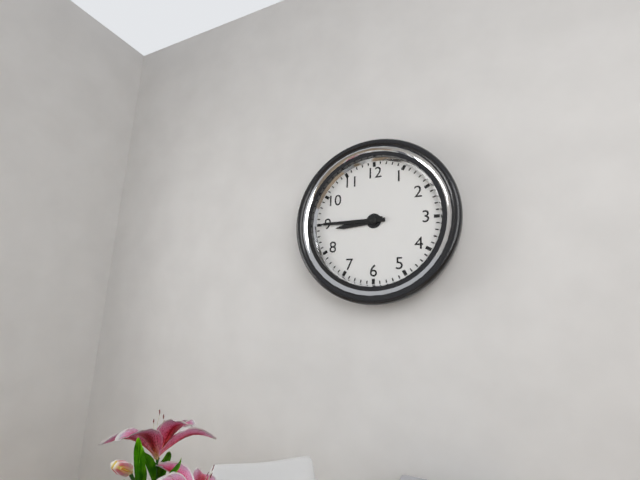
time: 8:45
